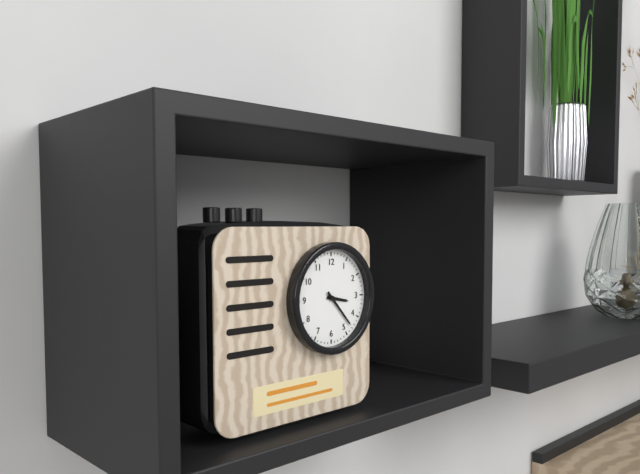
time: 3:23
